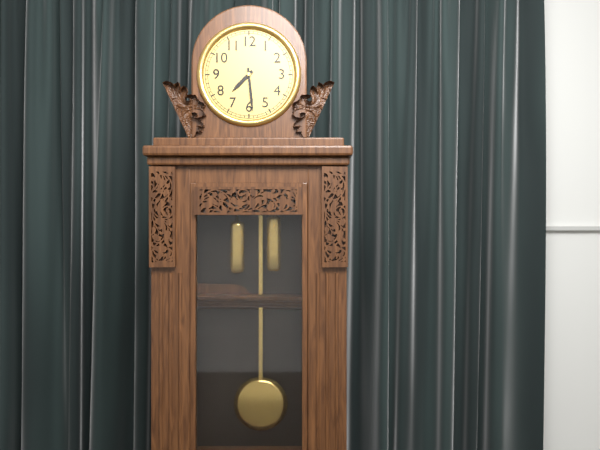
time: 7:29
